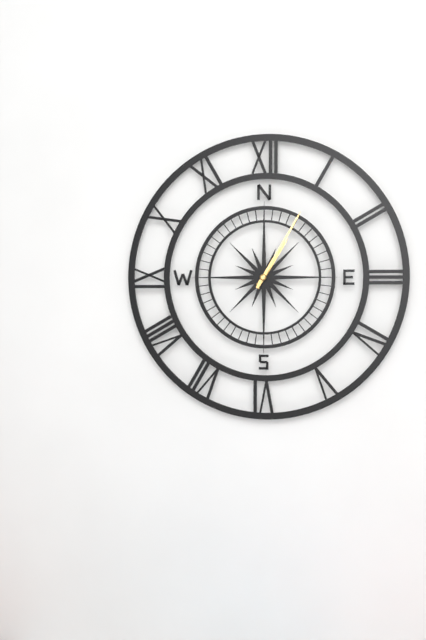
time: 1:05
